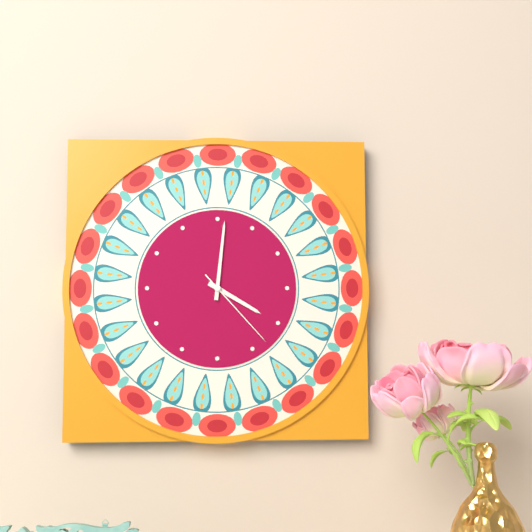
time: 4:01:23
